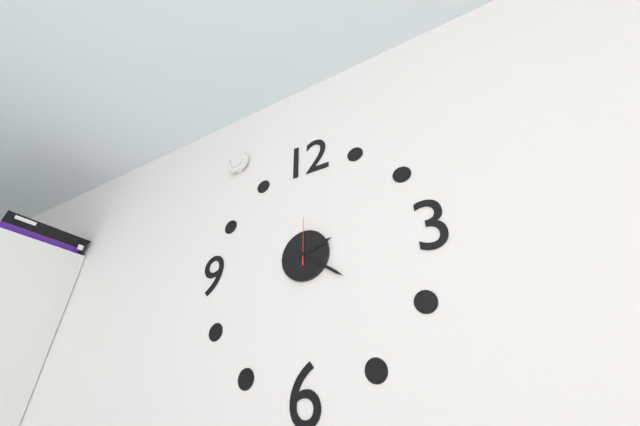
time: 2:21
